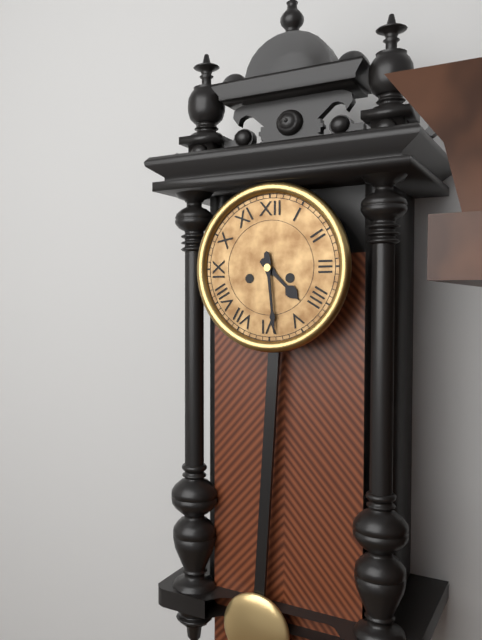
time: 4:29
